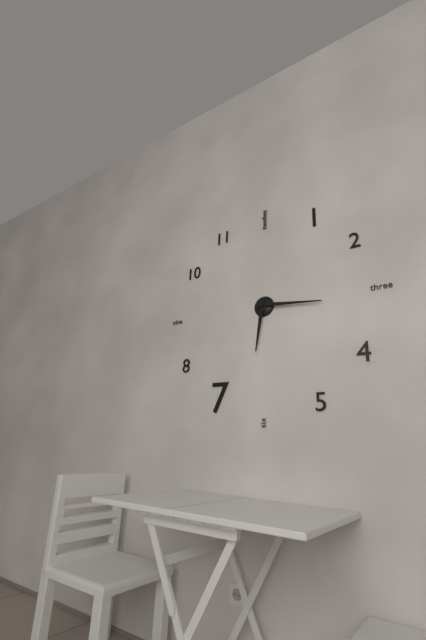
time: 6:16
